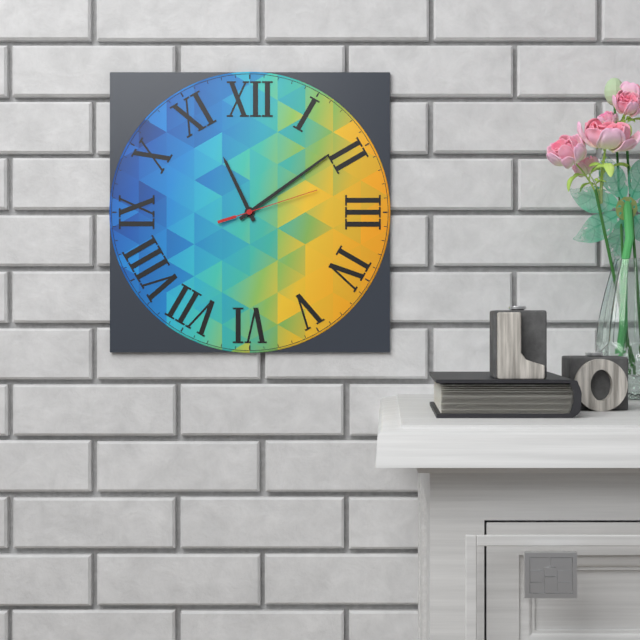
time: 11:09:12
